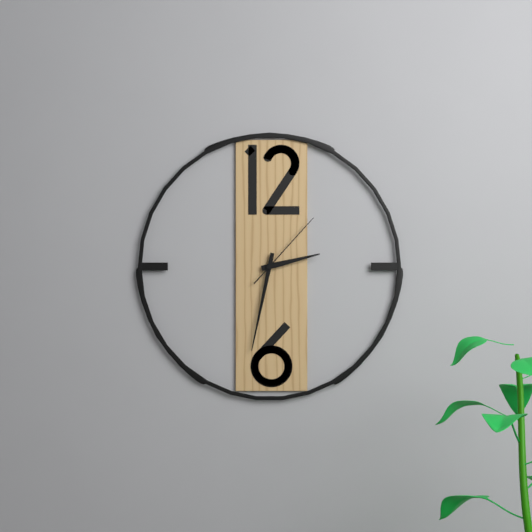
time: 2:32:07
